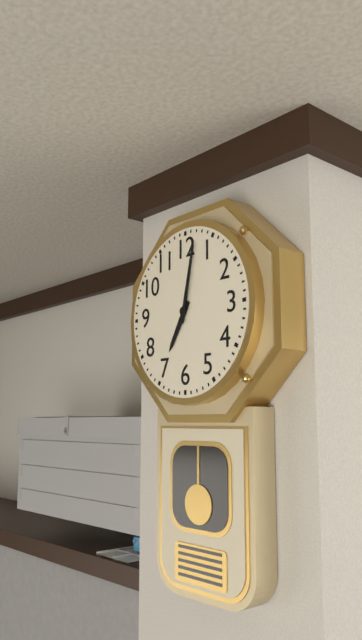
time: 7:02
